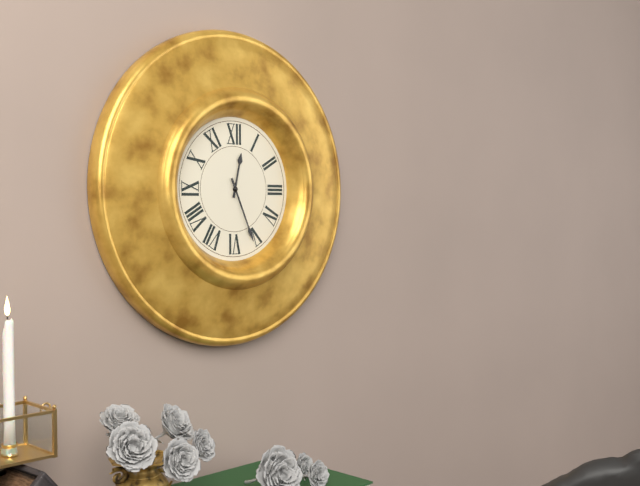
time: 12:26
